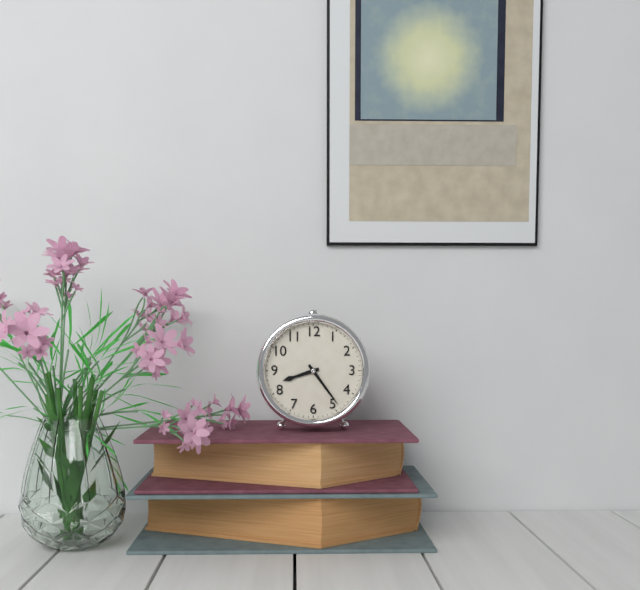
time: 8:24
